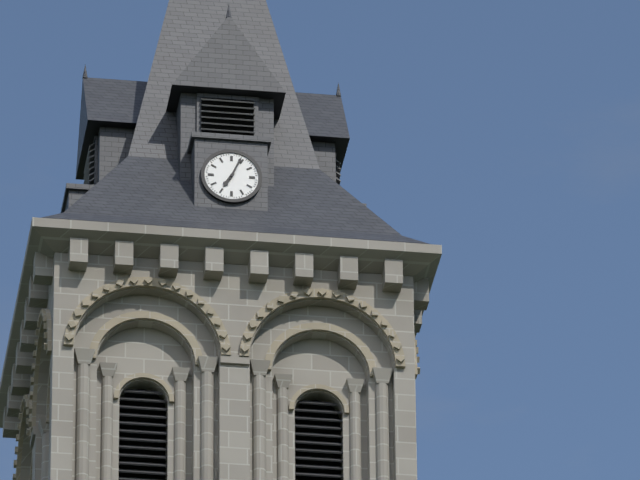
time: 7:04
